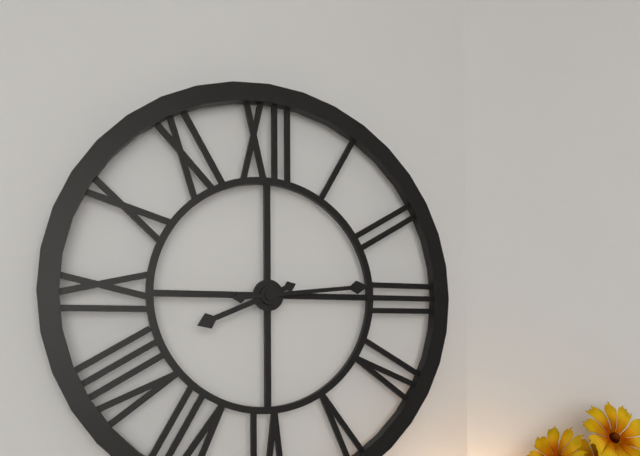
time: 8:14
